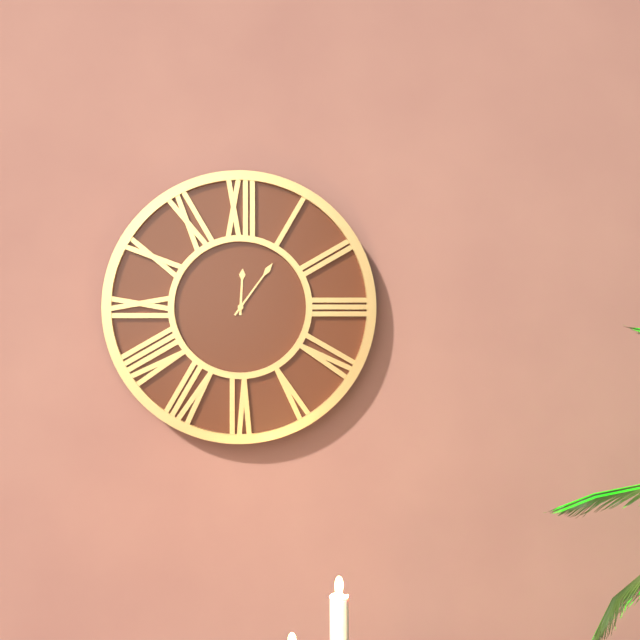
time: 12:06
